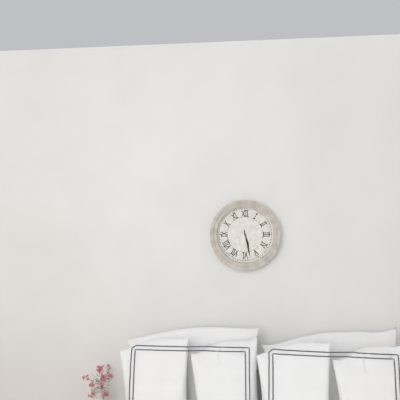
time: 5:28
